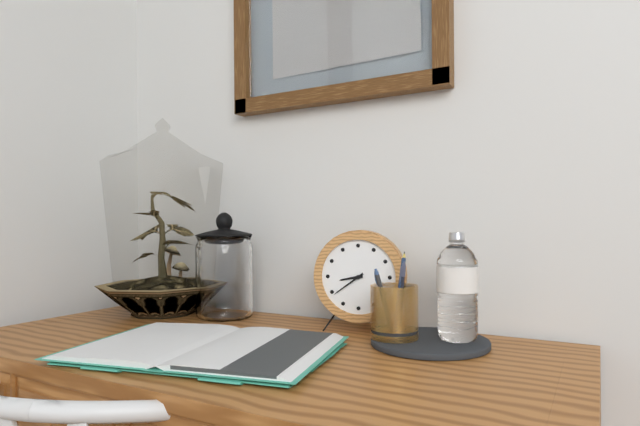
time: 8:39
